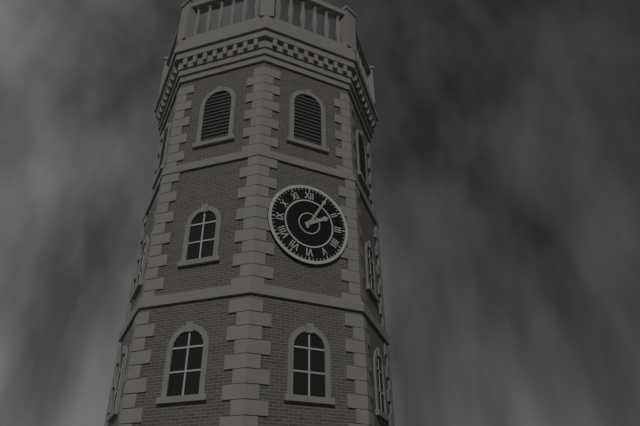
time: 2:05
